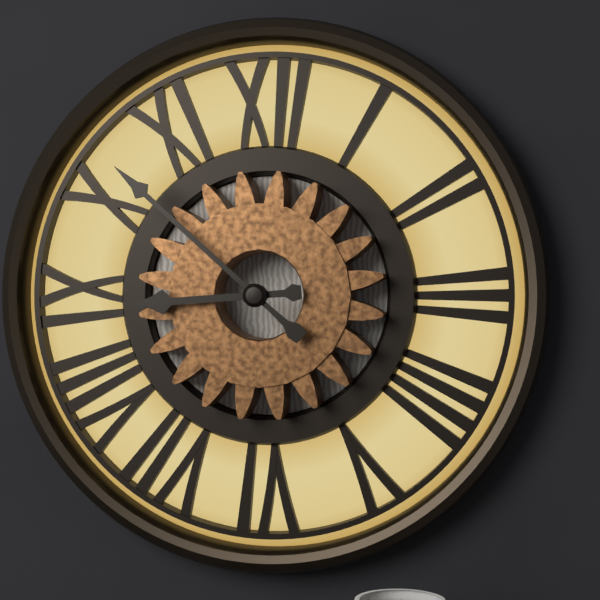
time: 8:52
